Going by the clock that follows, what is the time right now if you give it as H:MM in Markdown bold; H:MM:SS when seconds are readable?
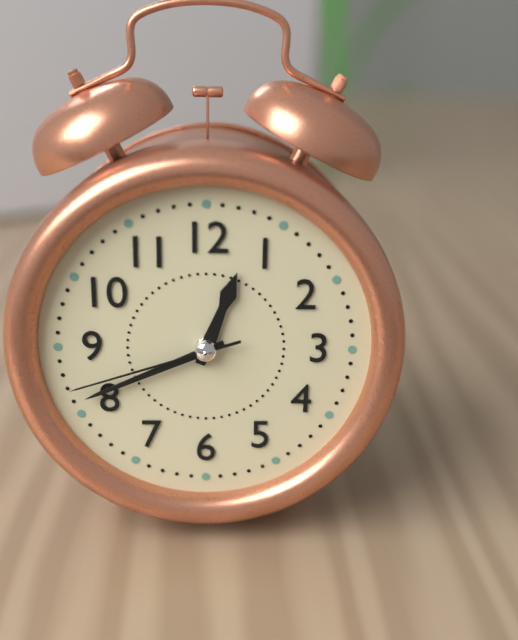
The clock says **12:41:42**
